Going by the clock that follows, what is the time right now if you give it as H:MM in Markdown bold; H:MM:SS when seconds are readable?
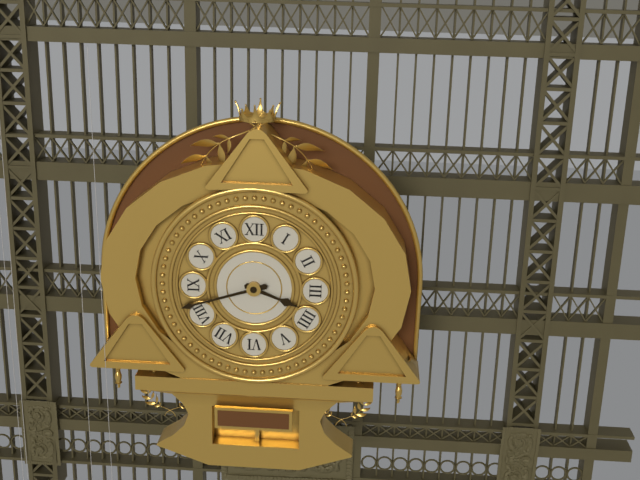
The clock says **3:42**
